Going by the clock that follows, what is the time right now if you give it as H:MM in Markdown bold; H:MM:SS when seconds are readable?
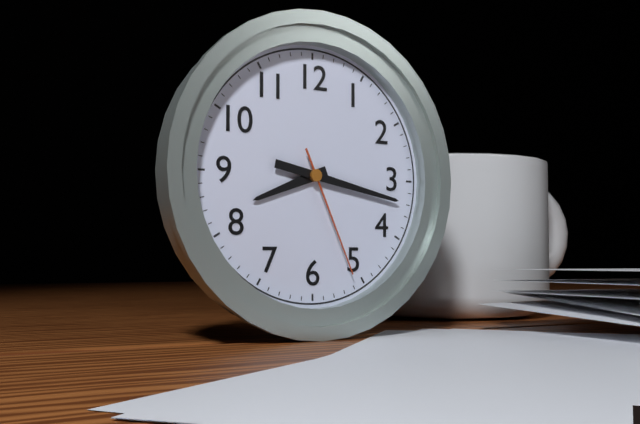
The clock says **8:17:26**
